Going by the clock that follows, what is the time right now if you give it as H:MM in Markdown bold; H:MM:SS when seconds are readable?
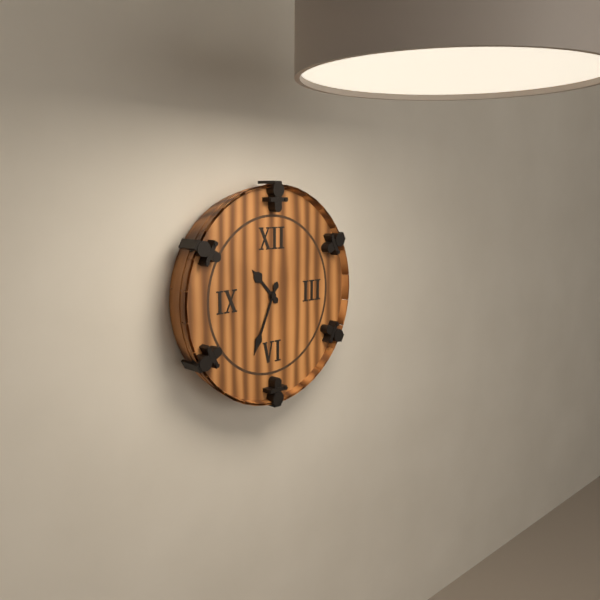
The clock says **10:34**
